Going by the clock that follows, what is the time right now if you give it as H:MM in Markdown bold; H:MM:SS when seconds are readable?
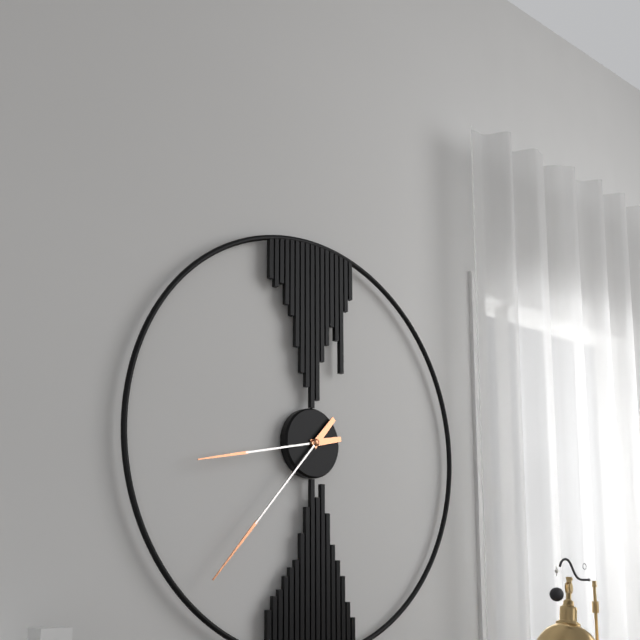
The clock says **8:37**
